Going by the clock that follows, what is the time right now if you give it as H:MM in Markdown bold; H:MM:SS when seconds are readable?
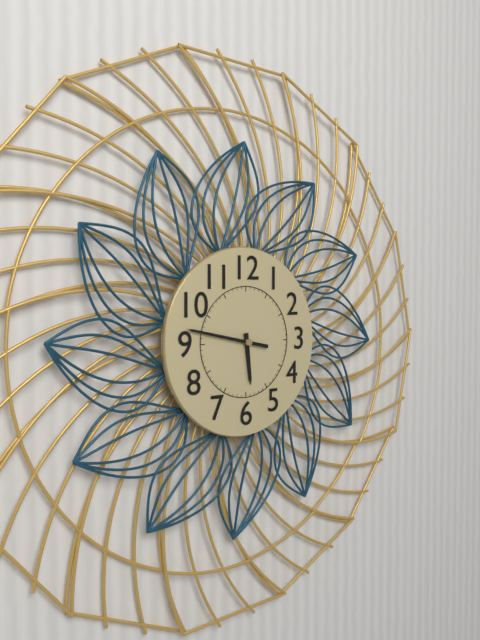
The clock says **5:47**
